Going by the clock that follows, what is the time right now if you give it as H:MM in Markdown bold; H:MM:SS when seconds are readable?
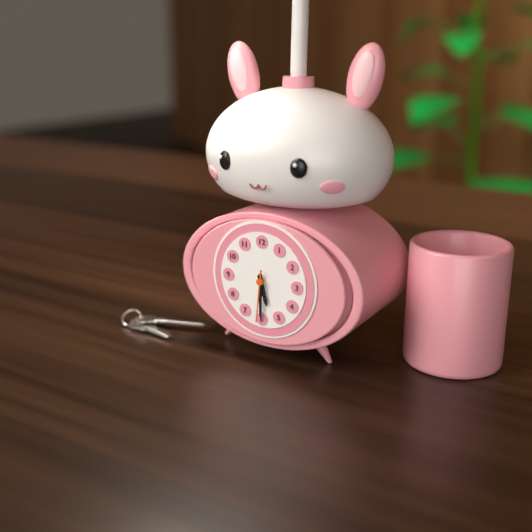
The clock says **5:30:31**
